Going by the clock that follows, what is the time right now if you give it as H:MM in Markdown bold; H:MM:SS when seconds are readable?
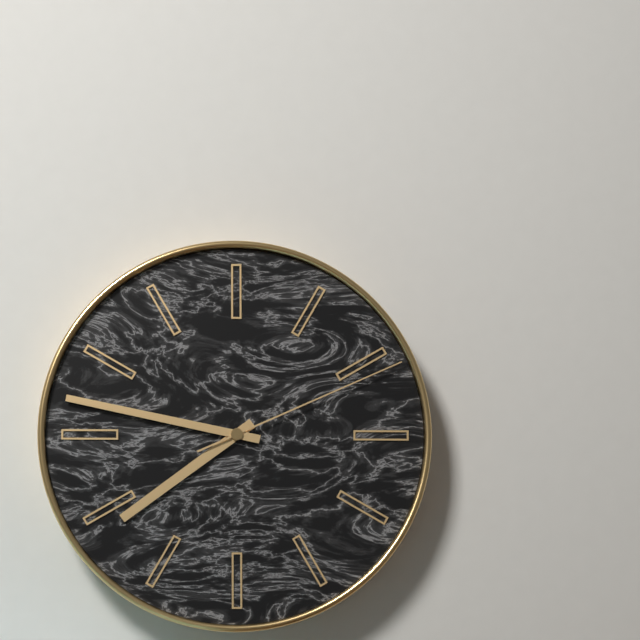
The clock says **7:47:11**
